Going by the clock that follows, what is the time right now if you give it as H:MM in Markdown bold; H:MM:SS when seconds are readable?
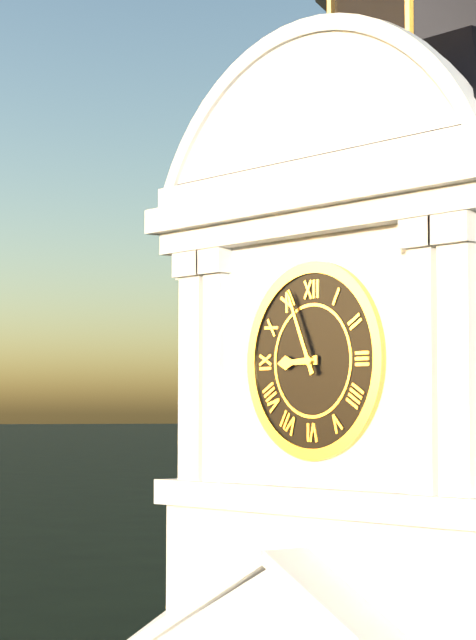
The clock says **8:56**
